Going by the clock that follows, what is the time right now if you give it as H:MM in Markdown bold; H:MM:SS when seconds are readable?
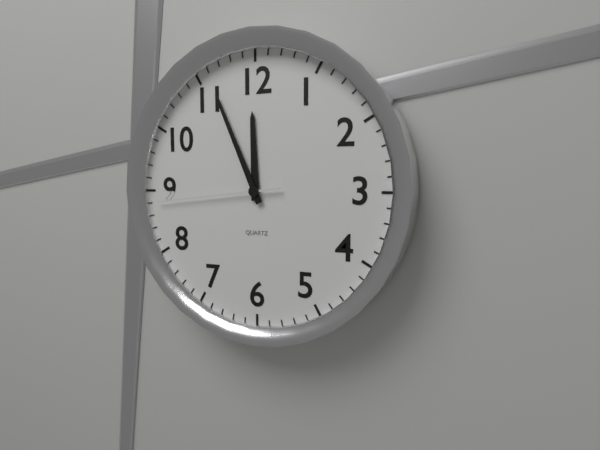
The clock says **11:56:44**
